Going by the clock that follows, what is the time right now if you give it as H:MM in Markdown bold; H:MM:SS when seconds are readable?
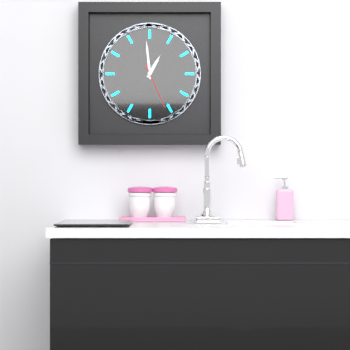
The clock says **12:59**
